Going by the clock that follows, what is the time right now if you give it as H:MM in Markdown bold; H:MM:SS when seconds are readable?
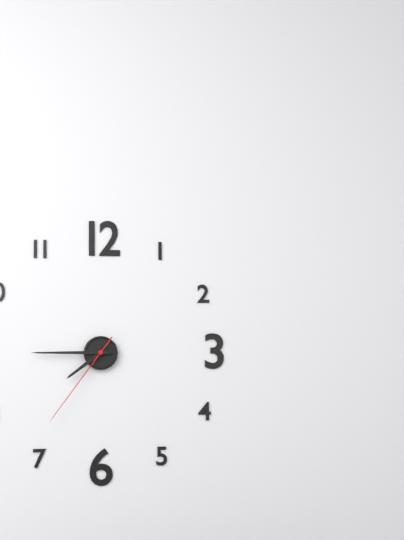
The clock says **7:45:36**
